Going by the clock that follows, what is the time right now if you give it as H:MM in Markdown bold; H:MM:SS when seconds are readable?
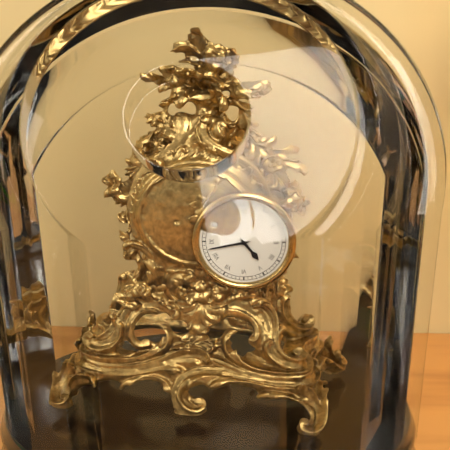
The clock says **4:43**
